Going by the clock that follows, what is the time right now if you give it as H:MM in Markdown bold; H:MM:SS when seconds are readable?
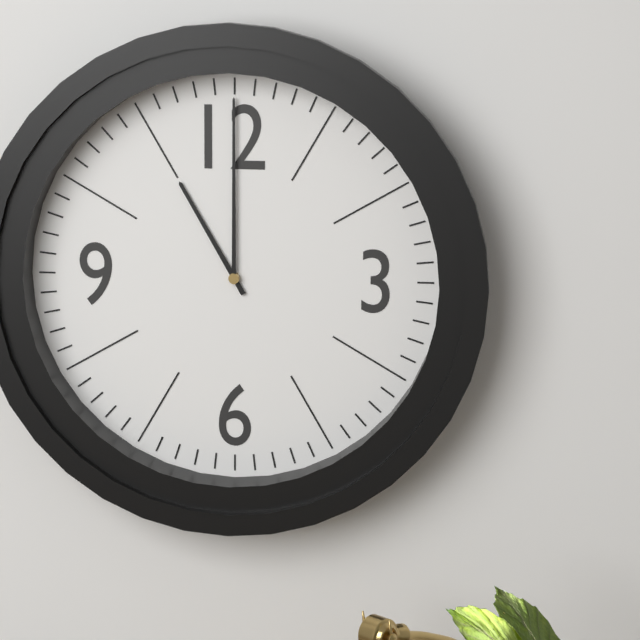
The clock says **11:00**
